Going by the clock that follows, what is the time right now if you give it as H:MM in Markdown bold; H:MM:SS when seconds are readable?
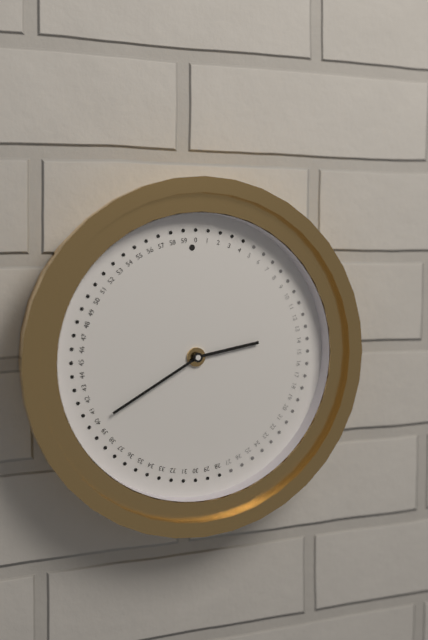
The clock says **2:40**
